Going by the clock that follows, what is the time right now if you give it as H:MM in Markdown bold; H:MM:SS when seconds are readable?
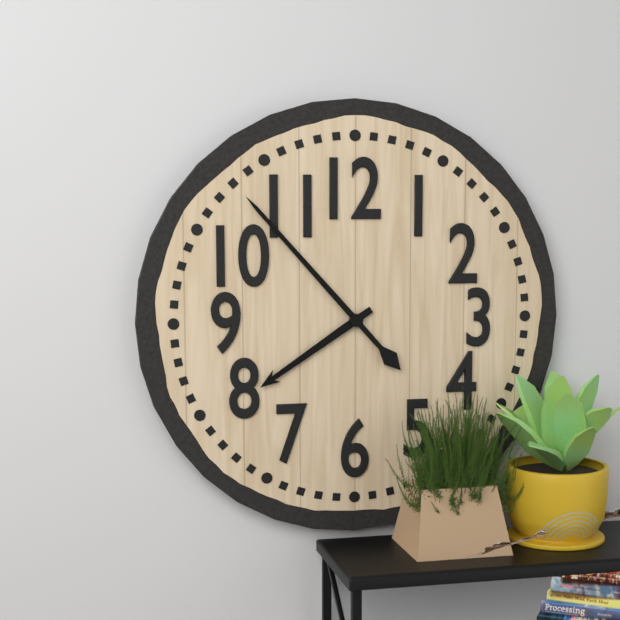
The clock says **7:53**
